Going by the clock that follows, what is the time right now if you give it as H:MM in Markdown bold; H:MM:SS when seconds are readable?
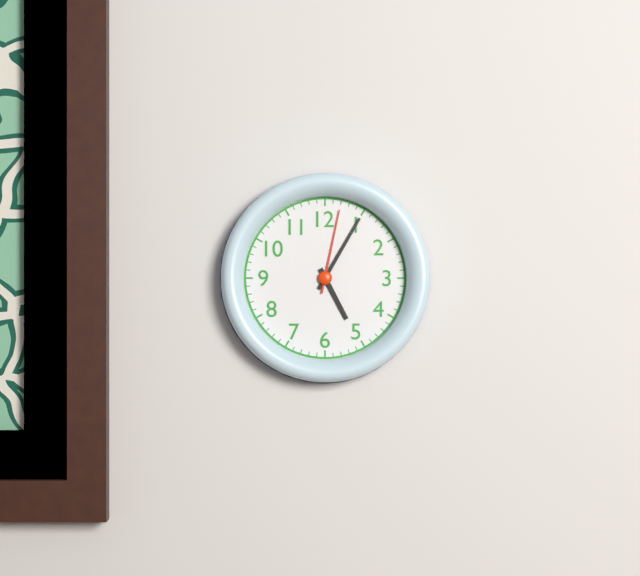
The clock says **5:05:02**
